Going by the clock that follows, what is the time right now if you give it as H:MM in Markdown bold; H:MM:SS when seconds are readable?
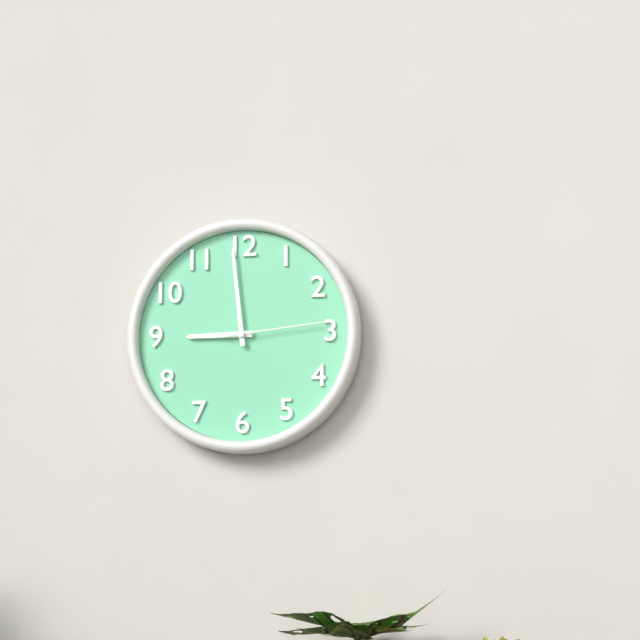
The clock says **8:59:14**
